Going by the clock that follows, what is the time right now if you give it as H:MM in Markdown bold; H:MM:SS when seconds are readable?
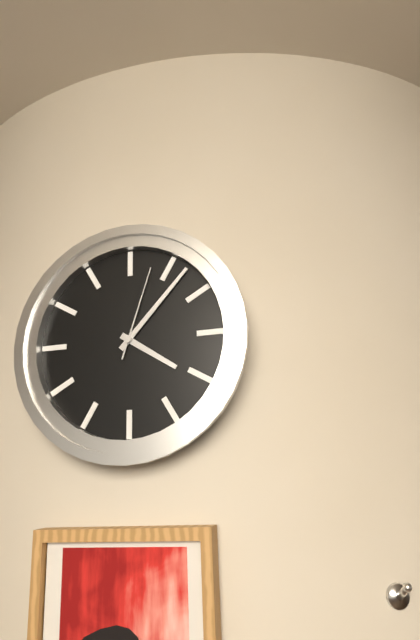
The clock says **4:07:03**
